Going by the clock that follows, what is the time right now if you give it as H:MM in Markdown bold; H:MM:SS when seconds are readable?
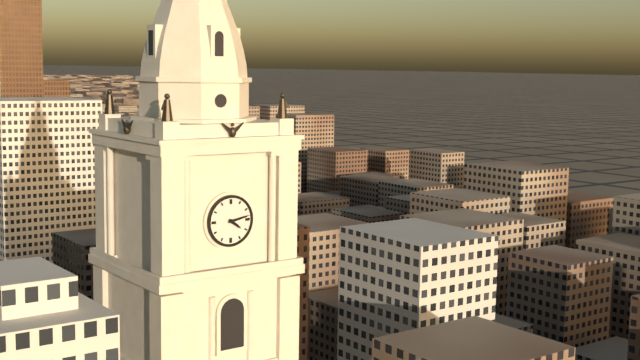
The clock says **4:13**
